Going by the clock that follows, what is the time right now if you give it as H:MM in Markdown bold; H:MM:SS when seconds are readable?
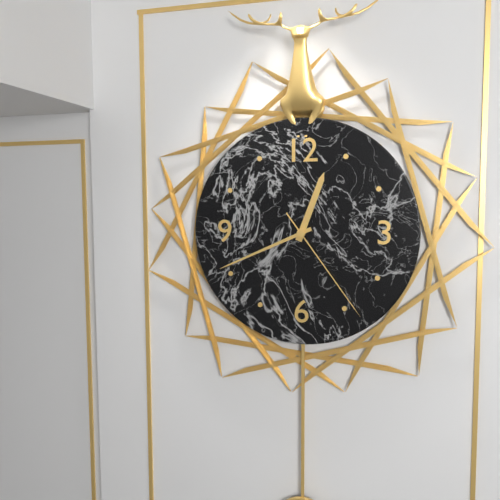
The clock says **12:41:24**
